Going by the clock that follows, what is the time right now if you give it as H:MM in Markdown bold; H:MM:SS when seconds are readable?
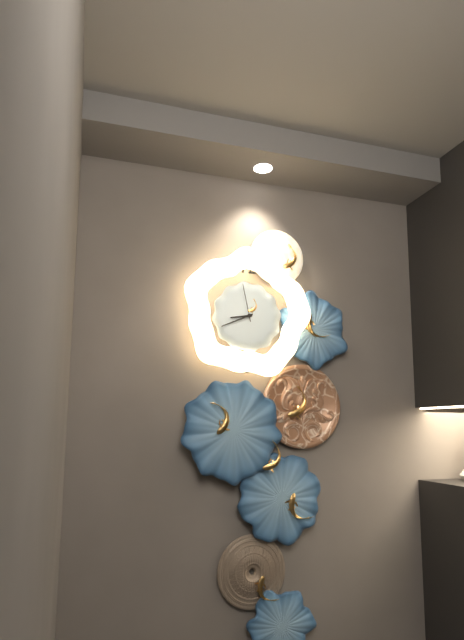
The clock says **8:41**
